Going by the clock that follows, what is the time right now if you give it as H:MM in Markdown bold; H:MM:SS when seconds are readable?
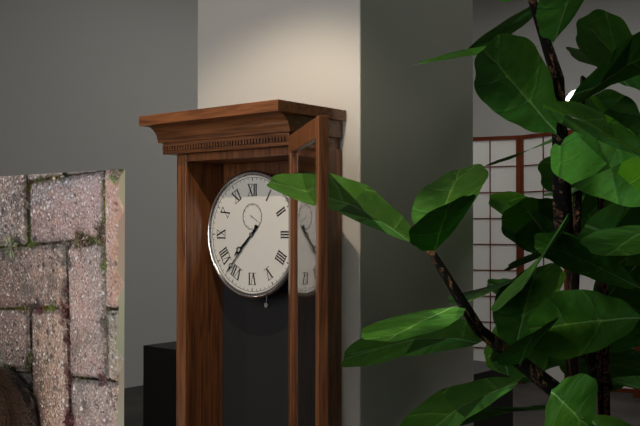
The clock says **7:37**
